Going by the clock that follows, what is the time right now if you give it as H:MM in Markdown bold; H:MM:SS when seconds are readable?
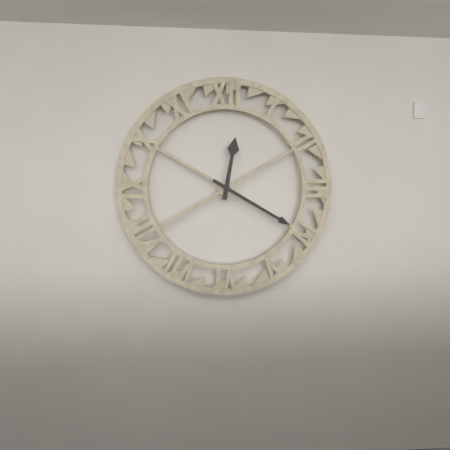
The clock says **12:20**
